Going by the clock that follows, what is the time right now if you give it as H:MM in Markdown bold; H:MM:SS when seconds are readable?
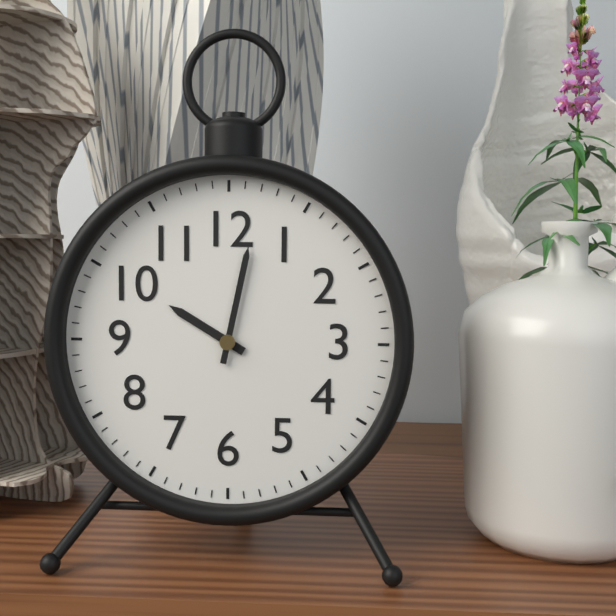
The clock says **10:02**
